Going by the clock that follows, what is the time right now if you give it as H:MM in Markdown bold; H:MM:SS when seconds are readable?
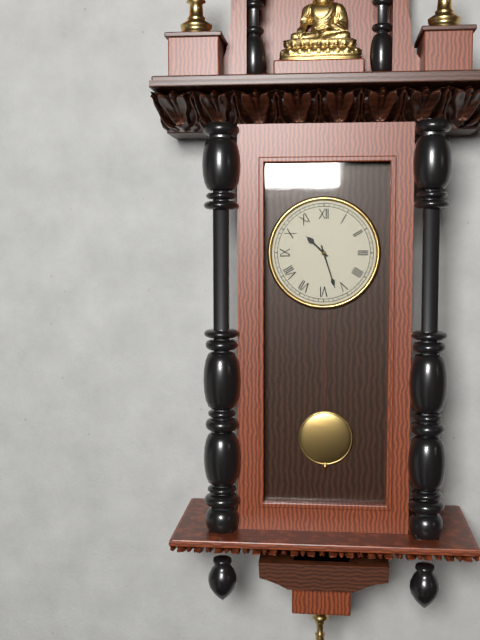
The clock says **10:27**
